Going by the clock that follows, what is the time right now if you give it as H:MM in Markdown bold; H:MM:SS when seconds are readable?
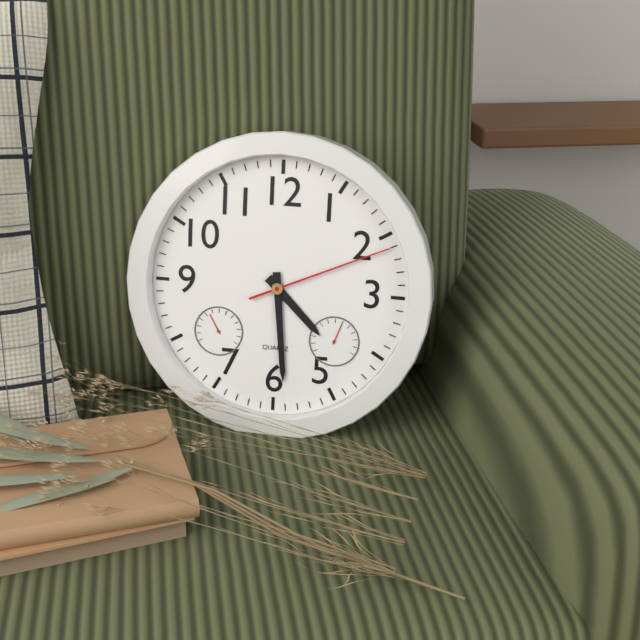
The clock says **4:29:11**
